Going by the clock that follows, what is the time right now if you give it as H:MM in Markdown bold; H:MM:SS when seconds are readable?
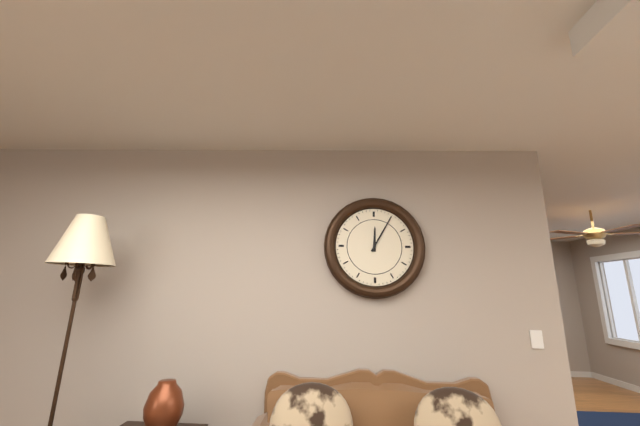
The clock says **12:05**
